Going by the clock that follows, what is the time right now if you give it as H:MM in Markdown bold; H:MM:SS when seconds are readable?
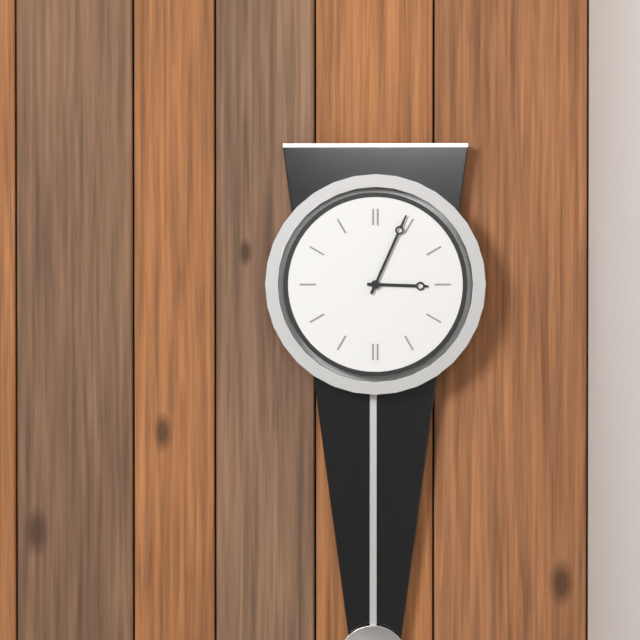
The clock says **3:04**
